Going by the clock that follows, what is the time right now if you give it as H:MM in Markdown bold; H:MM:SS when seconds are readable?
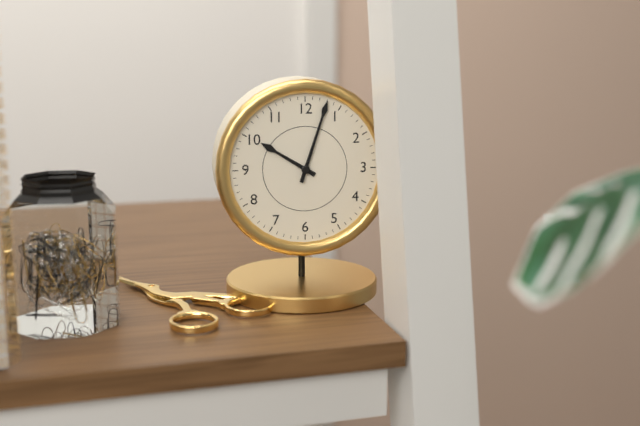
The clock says **10:03**
